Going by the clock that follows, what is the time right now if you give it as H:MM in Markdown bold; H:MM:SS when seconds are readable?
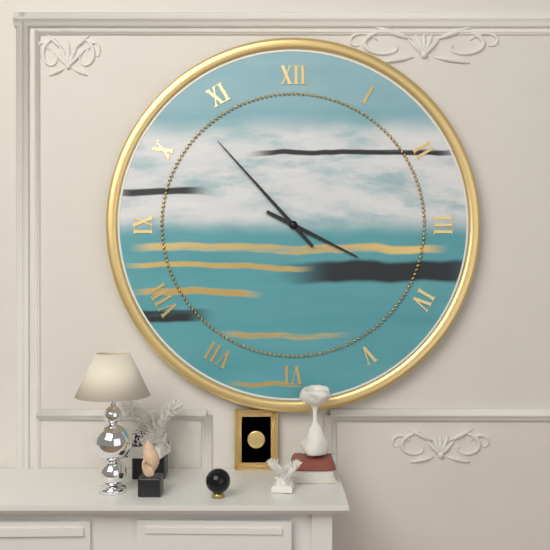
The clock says **3:53**
